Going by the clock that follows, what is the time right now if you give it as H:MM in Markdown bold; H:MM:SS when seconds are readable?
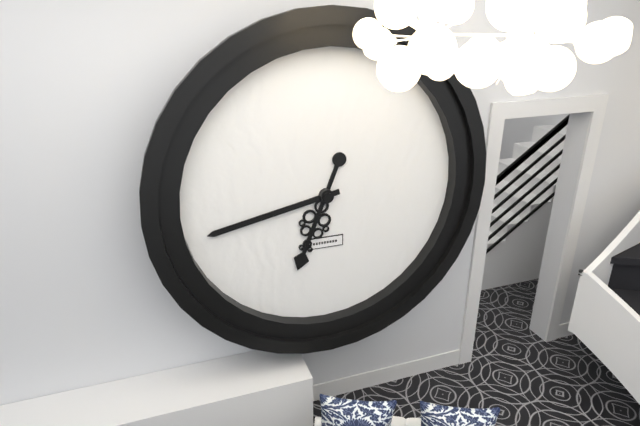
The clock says **6:43**
